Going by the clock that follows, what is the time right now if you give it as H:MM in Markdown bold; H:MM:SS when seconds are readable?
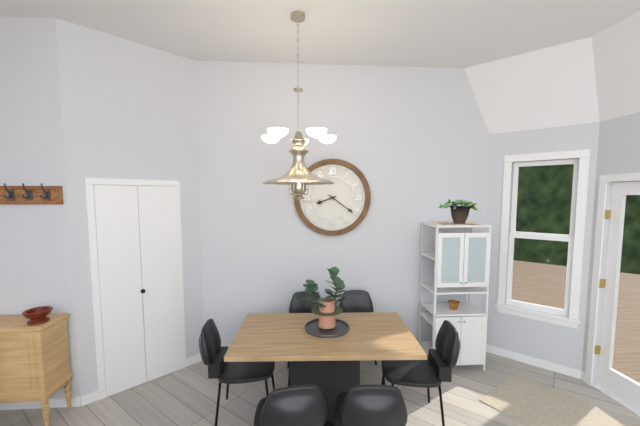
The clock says **8:21**
